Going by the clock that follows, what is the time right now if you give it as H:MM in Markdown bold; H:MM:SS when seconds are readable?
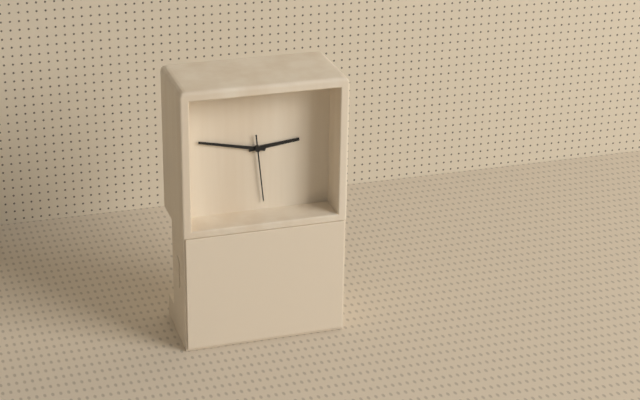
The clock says **2:47:29**
